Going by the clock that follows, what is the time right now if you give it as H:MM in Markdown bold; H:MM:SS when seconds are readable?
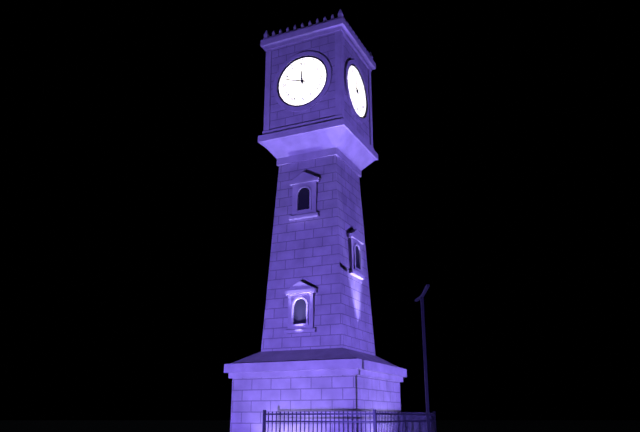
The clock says **11:48**
